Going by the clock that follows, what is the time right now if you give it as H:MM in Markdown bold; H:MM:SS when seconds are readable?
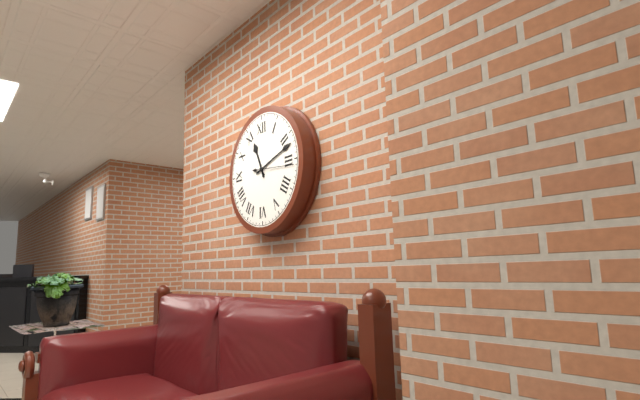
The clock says **11:12**
